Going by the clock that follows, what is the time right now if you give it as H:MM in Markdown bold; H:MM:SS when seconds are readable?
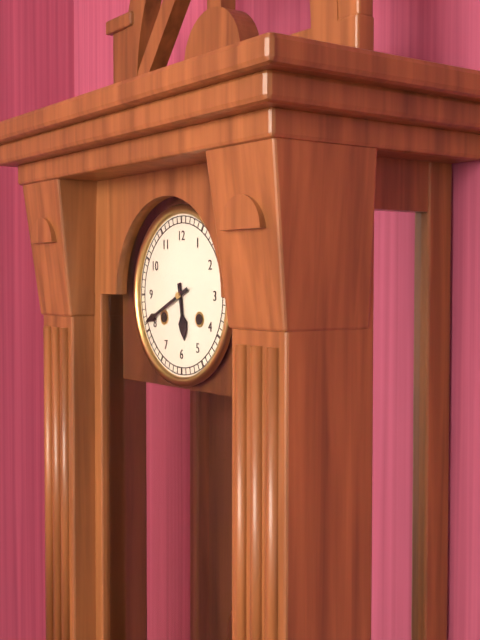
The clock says **5:41**
